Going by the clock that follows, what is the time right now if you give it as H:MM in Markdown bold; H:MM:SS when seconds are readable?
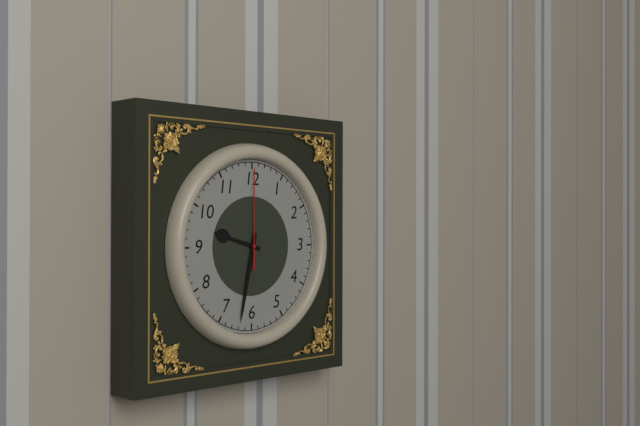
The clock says **9:32:00**
